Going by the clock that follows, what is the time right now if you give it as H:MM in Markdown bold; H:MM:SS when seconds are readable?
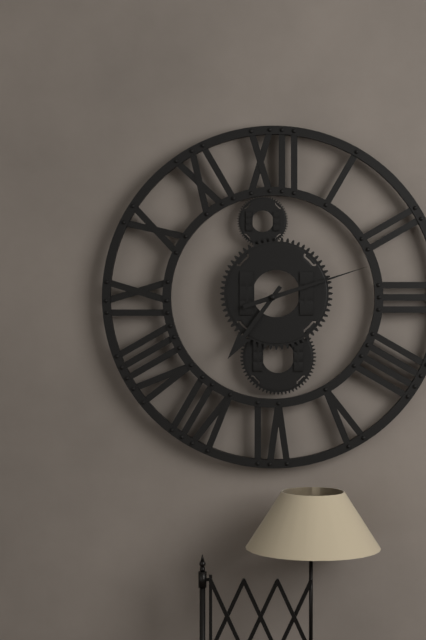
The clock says **7:12**
